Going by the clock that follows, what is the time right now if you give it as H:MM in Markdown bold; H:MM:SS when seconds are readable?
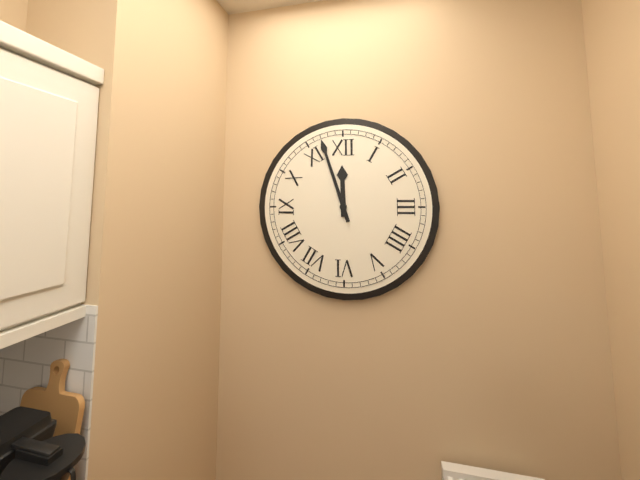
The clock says **11:57**
